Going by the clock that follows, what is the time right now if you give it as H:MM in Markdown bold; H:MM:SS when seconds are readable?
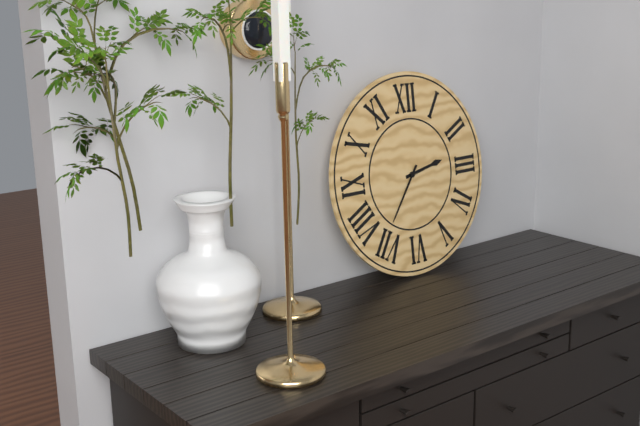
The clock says **2:36**
